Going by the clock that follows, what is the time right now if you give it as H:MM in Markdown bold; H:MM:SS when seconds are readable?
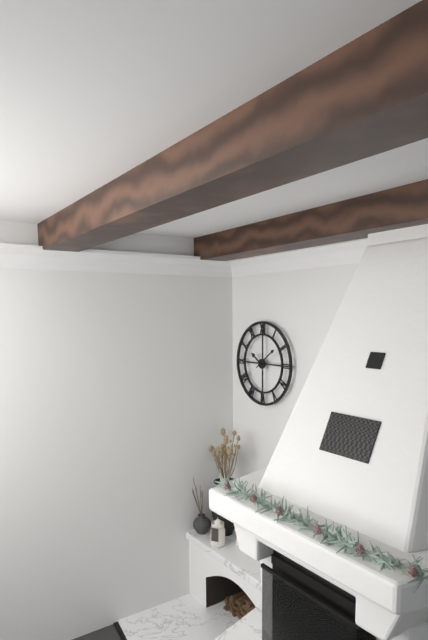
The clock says **10:09**
